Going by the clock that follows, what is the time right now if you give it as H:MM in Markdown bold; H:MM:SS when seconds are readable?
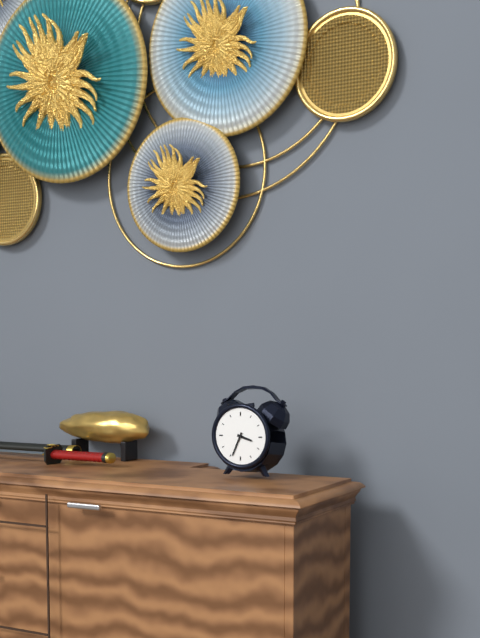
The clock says **3:34**
